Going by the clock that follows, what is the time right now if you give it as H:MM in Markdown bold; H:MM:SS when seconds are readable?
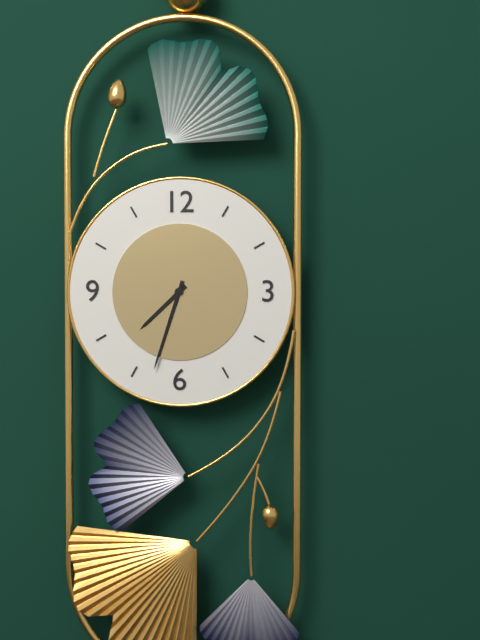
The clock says **7:33**
